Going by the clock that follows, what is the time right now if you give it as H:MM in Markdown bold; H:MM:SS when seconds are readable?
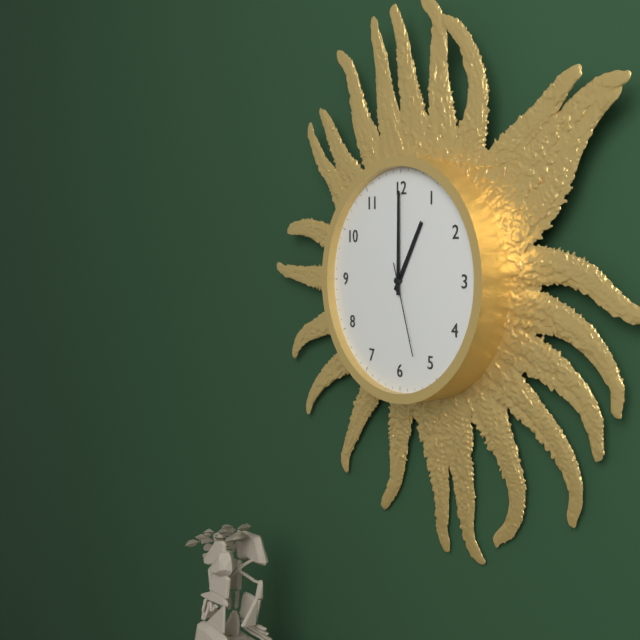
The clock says **1:00:27**
